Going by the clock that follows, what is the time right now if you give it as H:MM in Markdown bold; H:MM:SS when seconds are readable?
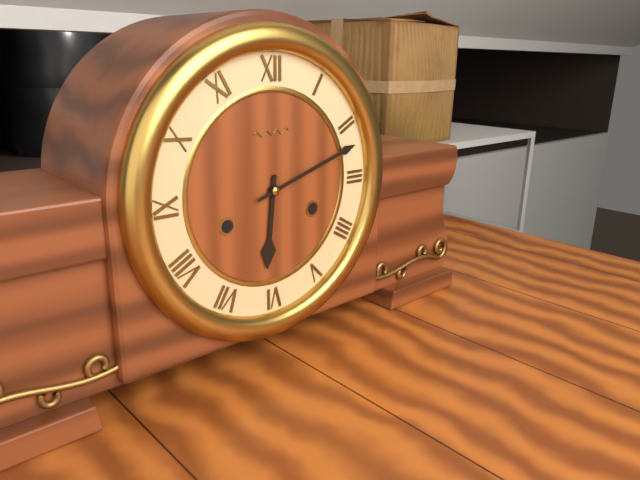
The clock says **6:12**
